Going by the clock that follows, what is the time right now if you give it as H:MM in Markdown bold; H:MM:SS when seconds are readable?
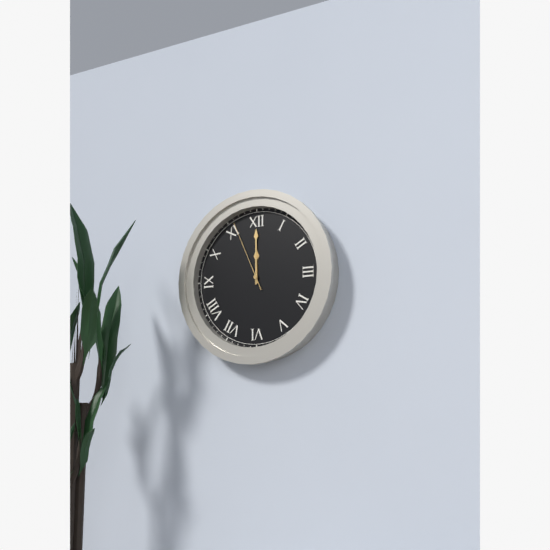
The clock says **12:00:56**
